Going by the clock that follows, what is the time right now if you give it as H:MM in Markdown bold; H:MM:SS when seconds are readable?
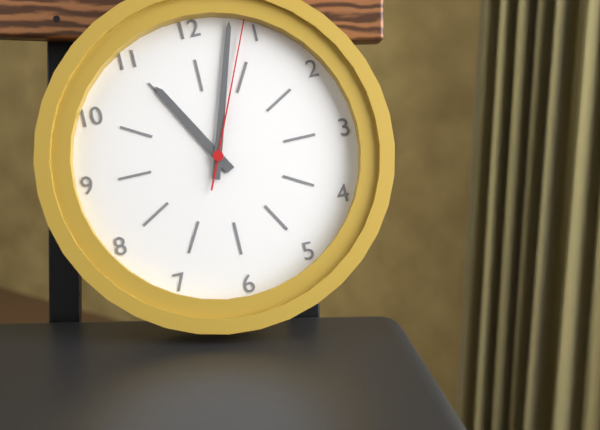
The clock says **11:03:04**
